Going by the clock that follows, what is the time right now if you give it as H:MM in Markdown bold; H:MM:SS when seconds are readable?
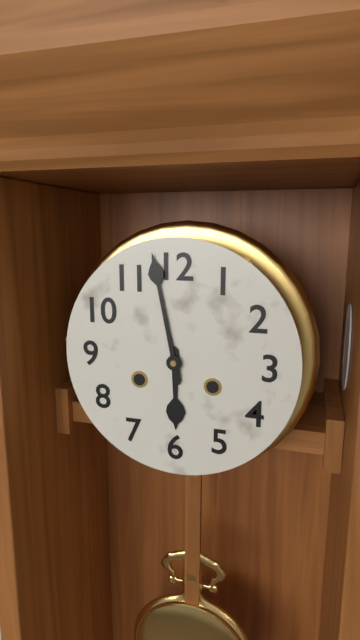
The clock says **5:58**
